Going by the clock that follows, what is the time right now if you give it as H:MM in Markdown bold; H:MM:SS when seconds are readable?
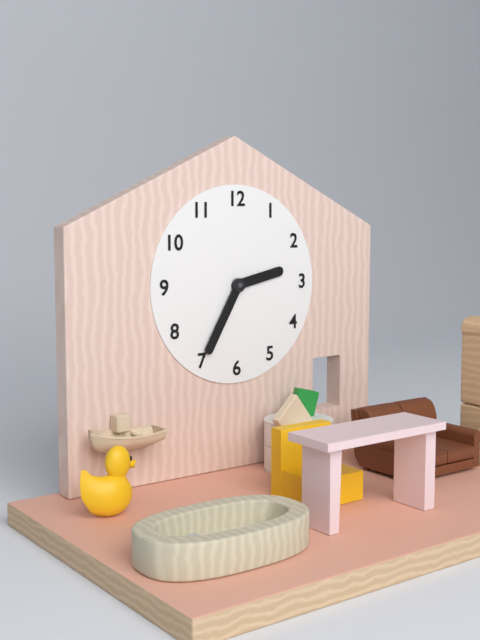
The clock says **2:35**
